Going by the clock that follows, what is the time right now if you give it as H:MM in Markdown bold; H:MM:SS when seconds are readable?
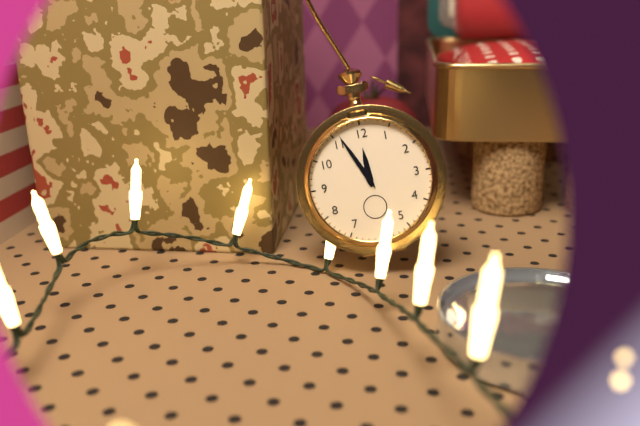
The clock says **11:56**
